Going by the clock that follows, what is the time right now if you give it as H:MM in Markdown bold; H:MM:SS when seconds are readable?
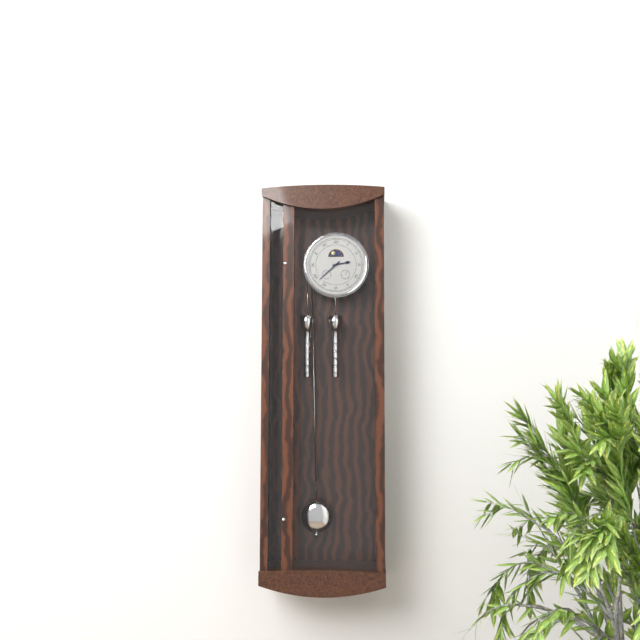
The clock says **2:38**
